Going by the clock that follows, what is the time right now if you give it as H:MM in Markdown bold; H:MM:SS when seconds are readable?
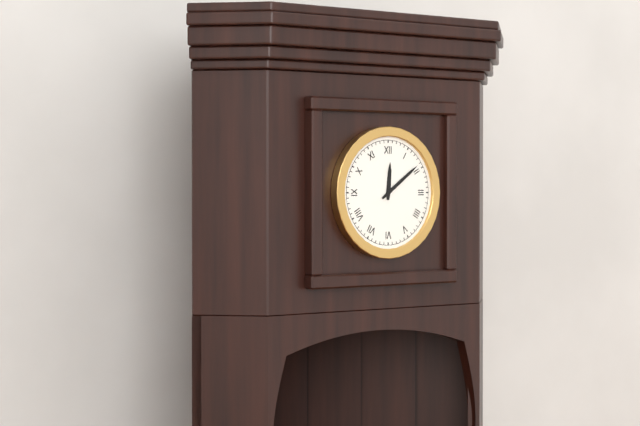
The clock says **12:09**
